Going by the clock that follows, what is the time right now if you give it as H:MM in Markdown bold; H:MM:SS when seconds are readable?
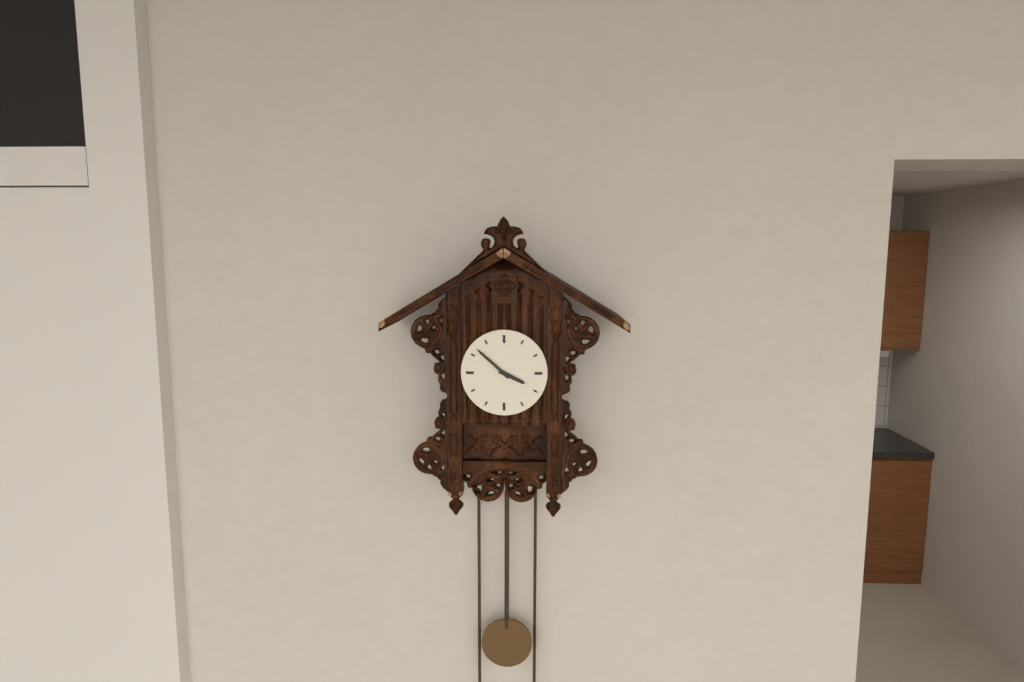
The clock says **3:52**
